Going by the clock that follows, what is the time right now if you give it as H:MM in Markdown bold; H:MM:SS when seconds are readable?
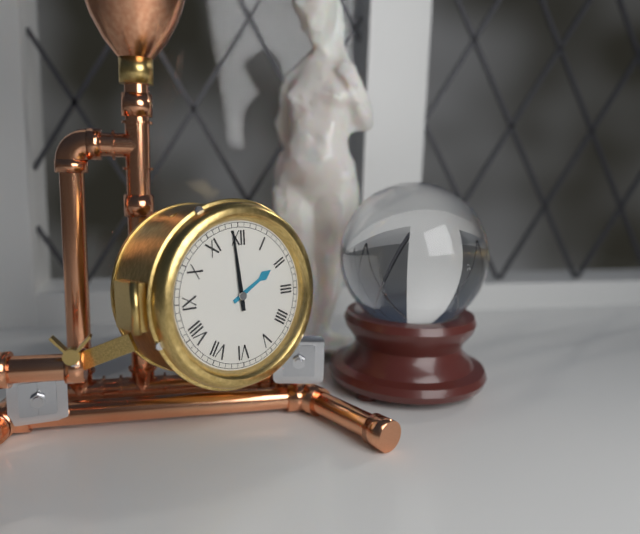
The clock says **1:59**
